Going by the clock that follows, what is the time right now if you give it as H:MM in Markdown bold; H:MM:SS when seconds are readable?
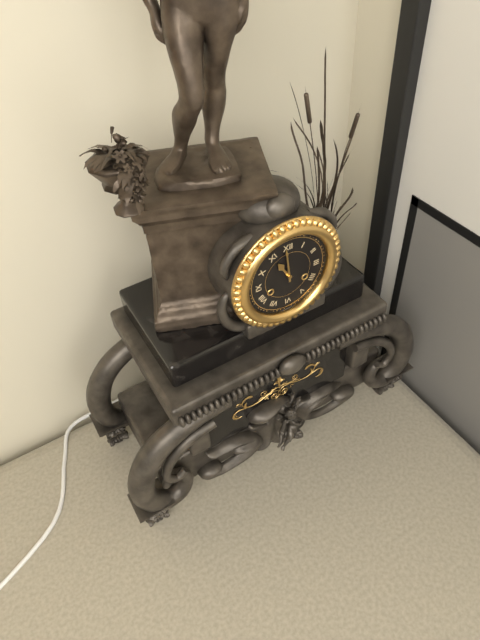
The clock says **10:59**
